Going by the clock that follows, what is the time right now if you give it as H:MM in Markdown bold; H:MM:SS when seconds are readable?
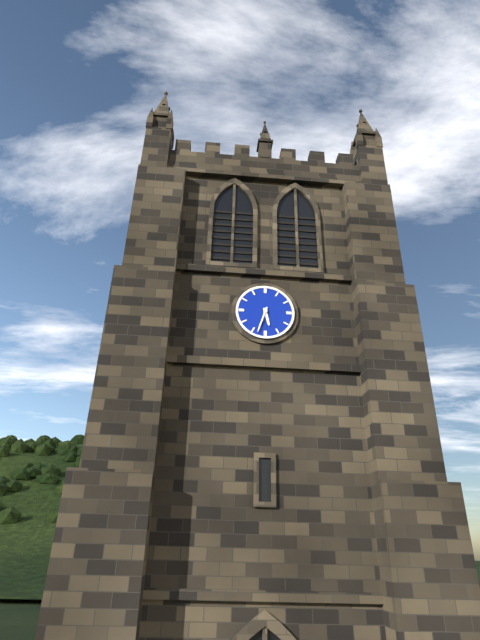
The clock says **5:33**
